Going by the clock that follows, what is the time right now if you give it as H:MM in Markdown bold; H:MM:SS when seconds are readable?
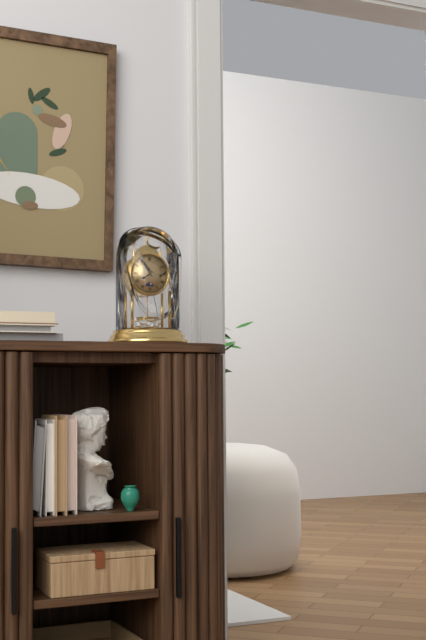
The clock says **7:54**
